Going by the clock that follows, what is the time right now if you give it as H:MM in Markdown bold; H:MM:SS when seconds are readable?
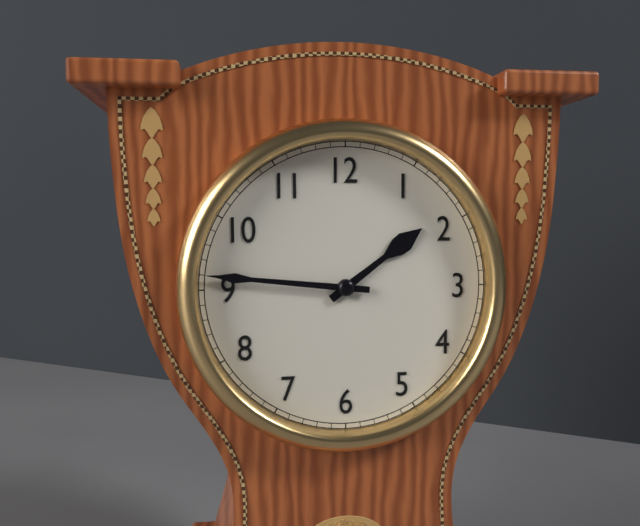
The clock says **1:46**
